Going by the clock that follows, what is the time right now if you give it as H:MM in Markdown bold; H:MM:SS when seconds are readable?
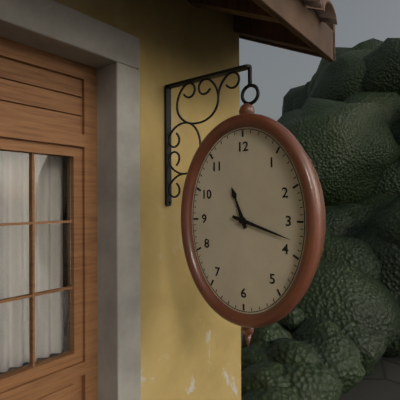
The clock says **11:18**
